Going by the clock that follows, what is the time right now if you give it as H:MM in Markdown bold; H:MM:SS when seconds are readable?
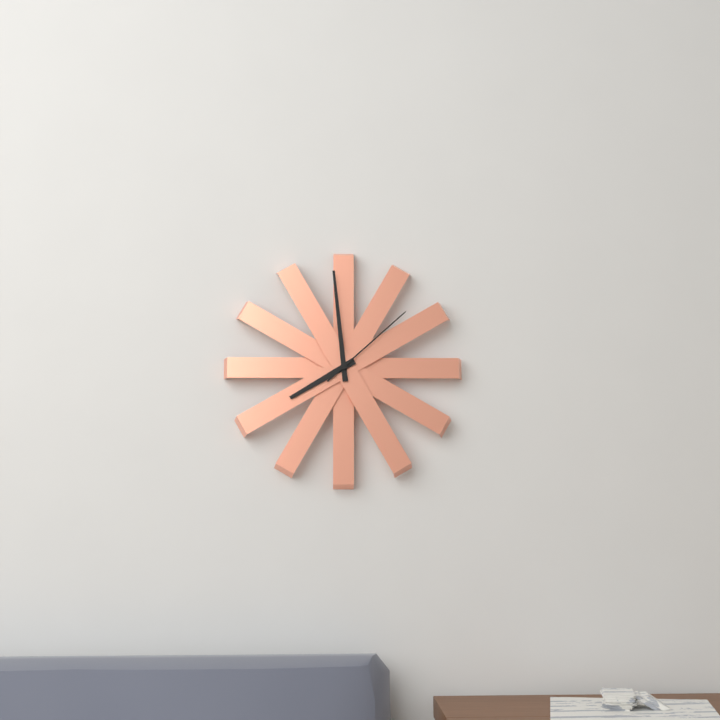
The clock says **7:59:08**
